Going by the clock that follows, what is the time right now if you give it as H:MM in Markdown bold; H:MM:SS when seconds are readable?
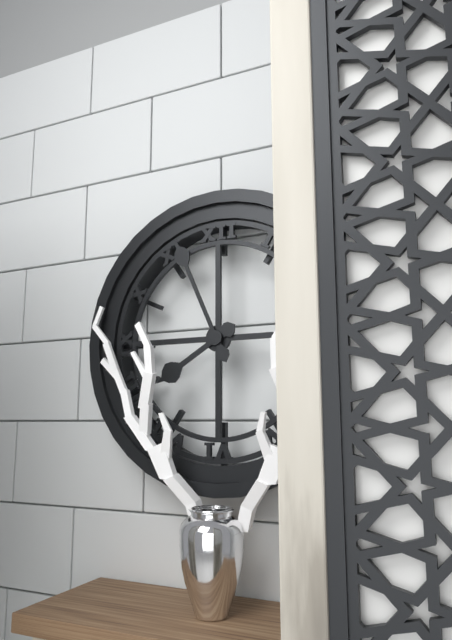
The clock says **7:56**
